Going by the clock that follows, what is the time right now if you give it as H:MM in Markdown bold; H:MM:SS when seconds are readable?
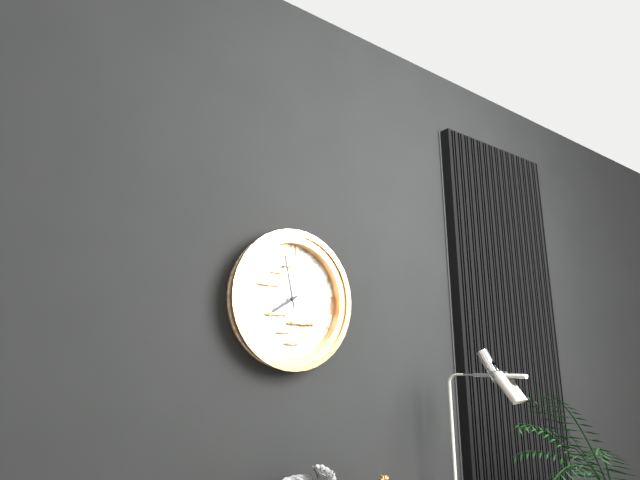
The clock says **7:58**
